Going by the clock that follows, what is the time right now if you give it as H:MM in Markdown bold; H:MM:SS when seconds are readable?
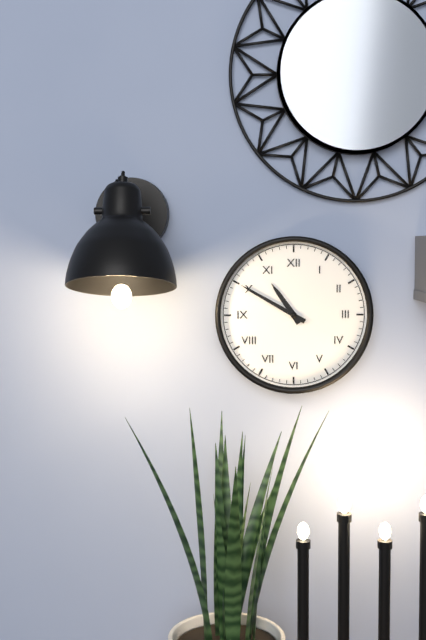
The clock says **10:50**
